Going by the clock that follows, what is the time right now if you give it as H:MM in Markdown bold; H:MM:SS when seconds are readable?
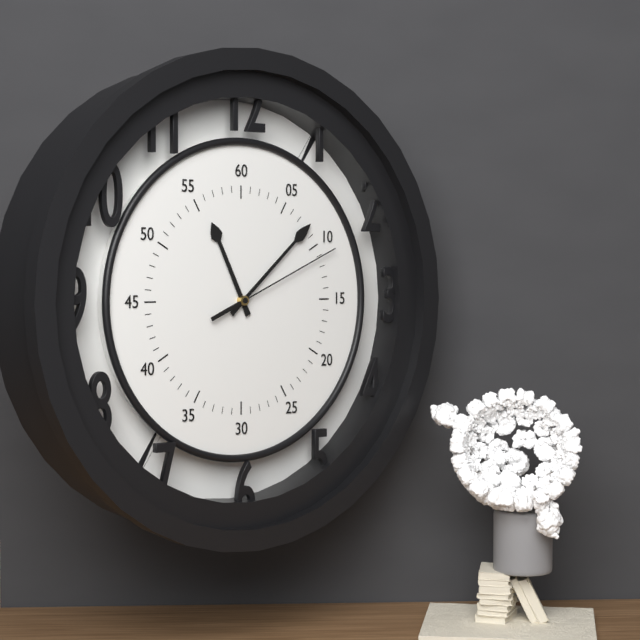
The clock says **11:08:11**
